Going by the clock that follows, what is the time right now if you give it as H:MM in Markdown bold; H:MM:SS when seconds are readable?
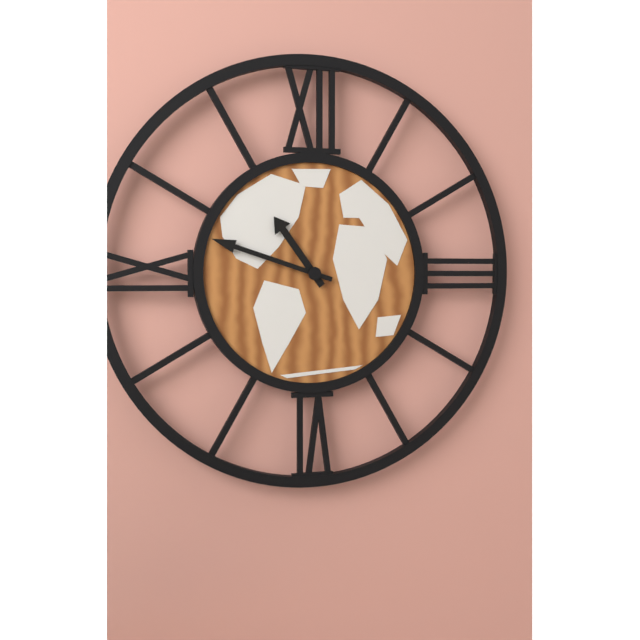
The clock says **10:48**
